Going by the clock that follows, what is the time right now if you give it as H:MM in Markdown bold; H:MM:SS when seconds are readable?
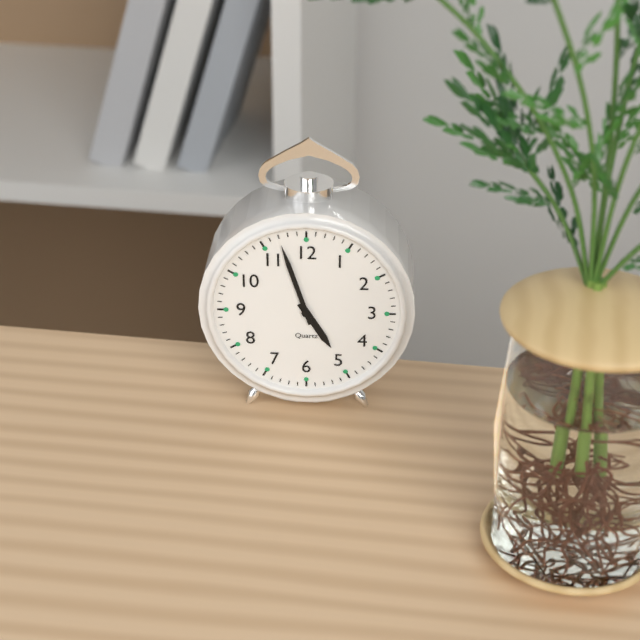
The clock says **4:57**
